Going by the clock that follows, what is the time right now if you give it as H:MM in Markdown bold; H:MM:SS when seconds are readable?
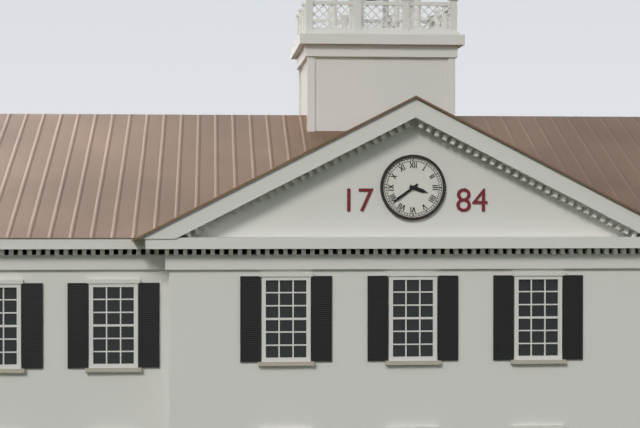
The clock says **3:39**
